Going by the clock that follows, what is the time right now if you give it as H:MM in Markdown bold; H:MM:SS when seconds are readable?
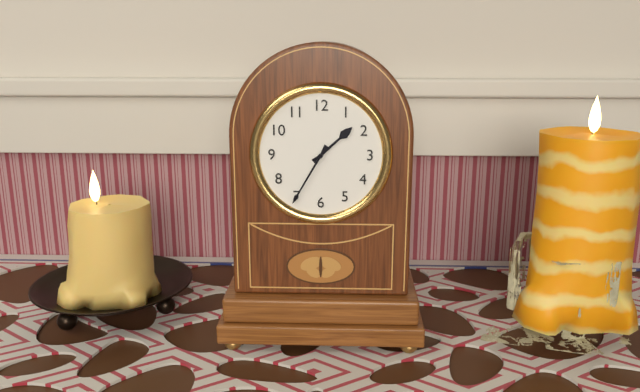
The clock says **1:35**
